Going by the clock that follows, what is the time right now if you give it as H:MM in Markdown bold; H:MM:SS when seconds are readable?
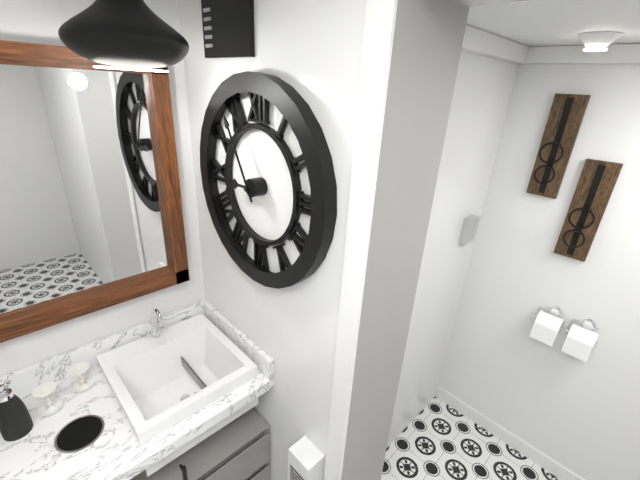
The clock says **8:55**
